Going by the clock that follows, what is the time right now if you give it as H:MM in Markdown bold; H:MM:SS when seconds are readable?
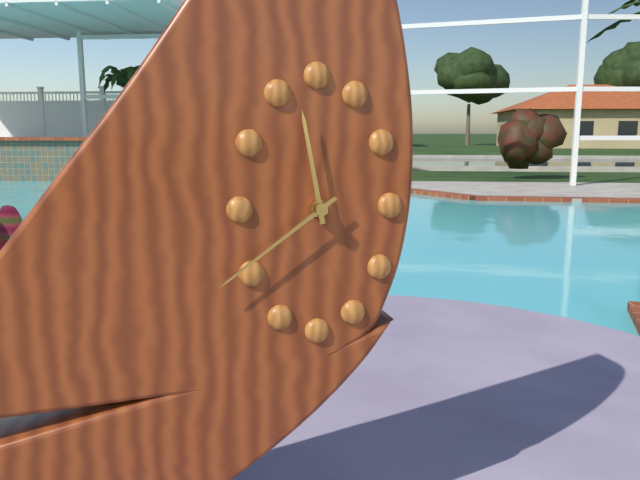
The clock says **11:39**
